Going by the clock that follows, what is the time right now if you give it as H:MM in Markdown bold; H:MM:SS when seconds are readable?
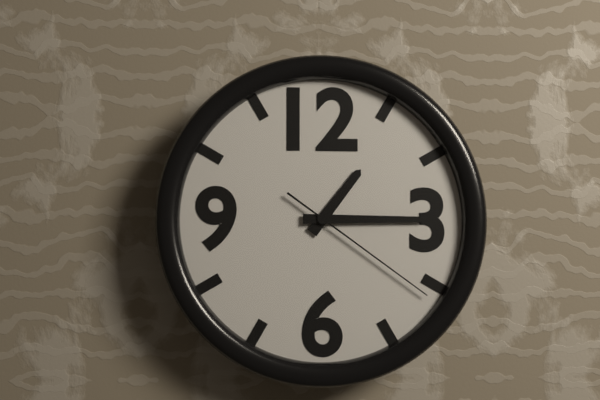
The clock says **1:15:21**
